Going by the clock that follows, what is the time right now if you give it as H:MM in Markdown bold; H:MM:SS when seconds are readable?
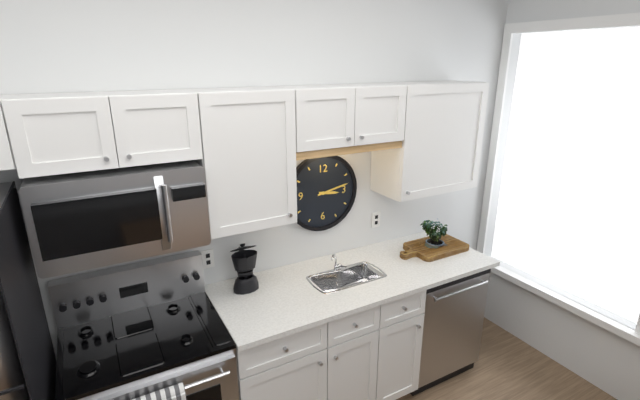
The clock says **3:13**
